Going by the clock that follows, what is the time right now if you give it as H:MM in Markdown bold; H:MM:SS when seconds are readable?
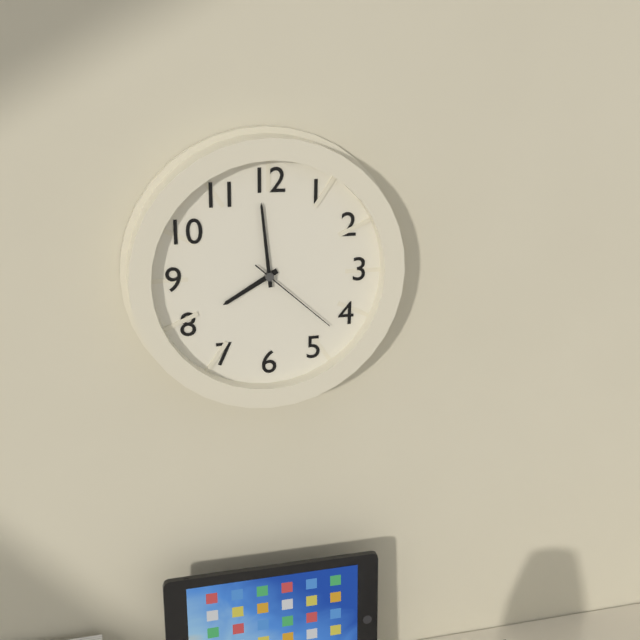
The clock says **7:59:22**
